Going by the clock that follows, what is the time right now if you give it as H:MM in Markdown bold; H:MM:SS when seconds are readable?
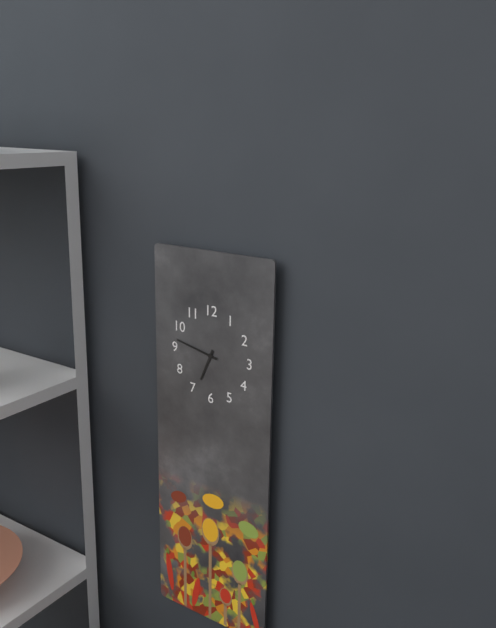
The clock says **6:47**
